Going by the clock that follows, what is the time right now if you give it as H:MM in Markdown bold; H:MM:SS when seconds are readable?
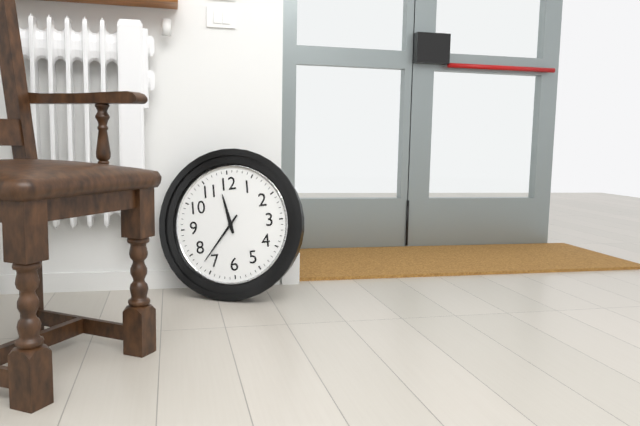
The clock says **11:37**
